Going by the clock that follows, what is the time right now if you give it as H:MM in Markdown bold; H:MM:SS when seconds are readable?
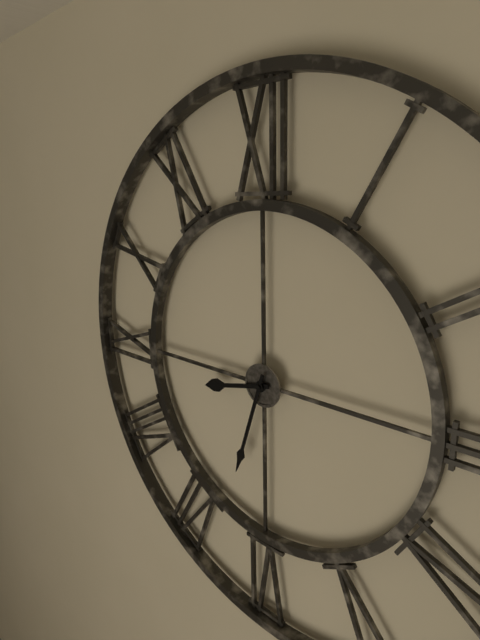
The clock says **8:33**
